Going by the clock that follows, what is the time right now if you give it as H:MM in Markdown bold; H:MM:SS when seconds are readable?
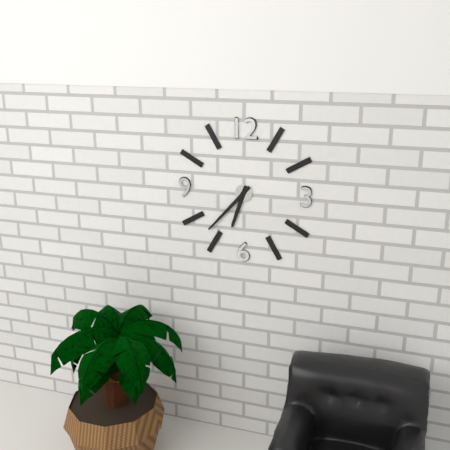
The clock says **6:37**
